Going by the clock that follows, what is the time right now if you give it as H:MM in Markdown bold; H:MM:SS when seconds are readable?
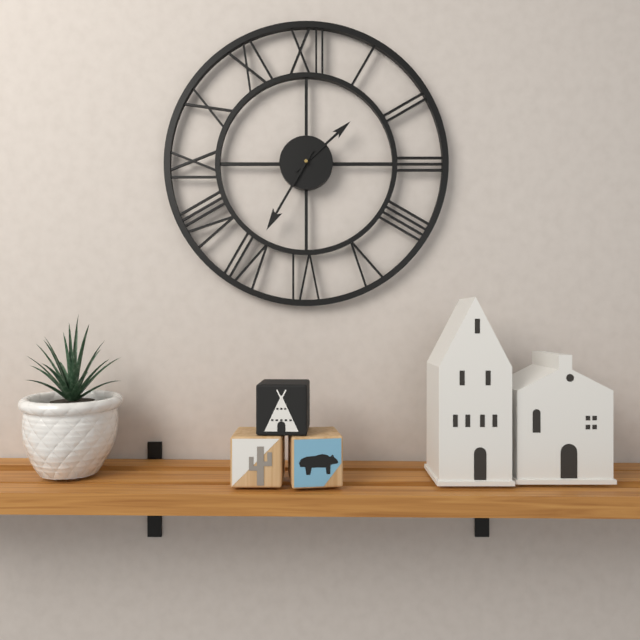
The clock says **1:35**
